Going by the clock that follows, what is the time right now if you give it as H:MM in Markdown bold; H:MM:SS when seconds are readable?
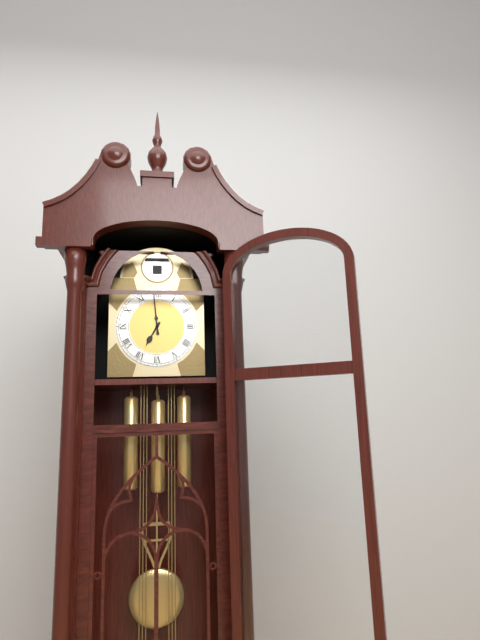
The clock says **6:59**
